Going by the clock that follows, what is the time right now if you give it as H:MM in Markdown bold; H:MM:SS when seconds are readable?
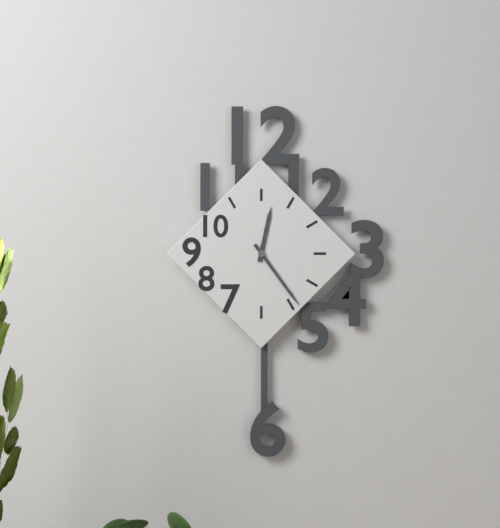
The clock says **12:24**
